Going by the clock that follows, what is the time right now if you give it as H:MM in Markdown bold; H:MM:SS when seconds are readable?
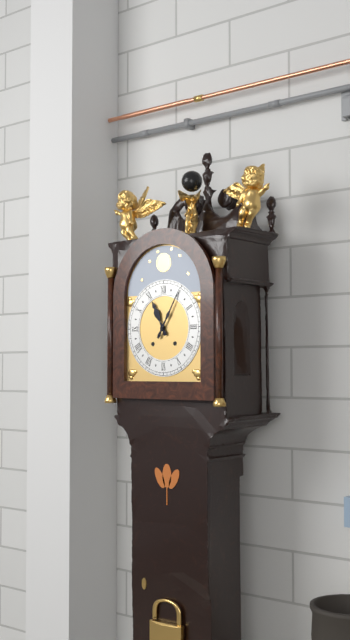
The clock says **11:05**
